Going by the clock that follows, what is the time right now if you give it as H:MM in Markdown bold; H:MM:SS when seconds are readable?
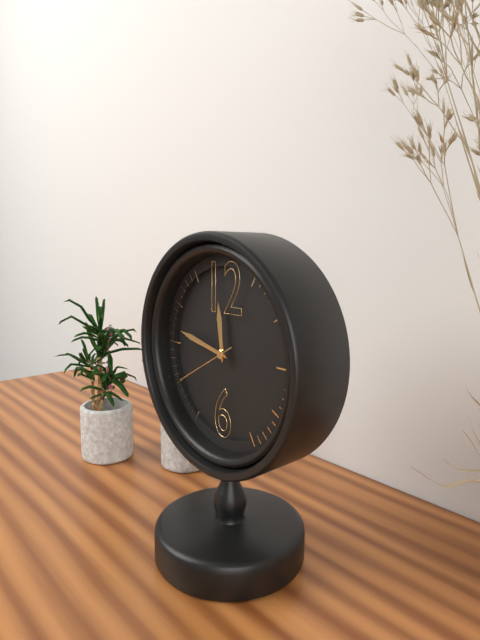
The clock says **11:47:40**
